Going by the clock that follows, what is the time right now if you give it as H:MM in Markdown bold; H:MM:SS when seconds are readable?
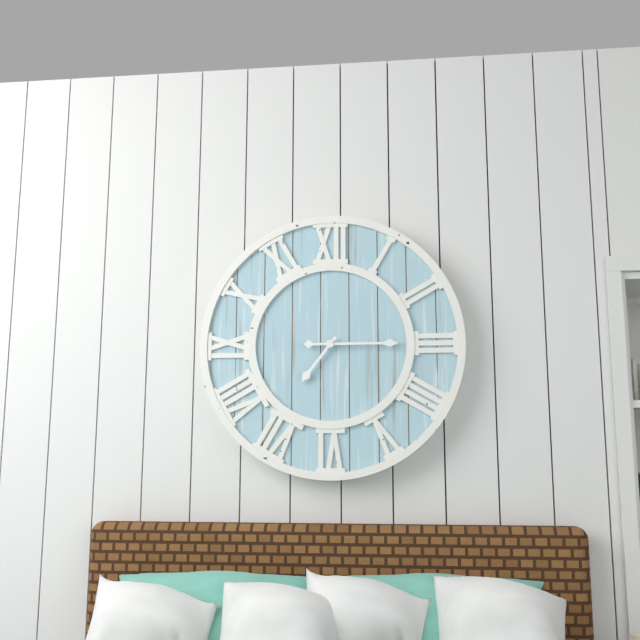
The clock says **7:15**
